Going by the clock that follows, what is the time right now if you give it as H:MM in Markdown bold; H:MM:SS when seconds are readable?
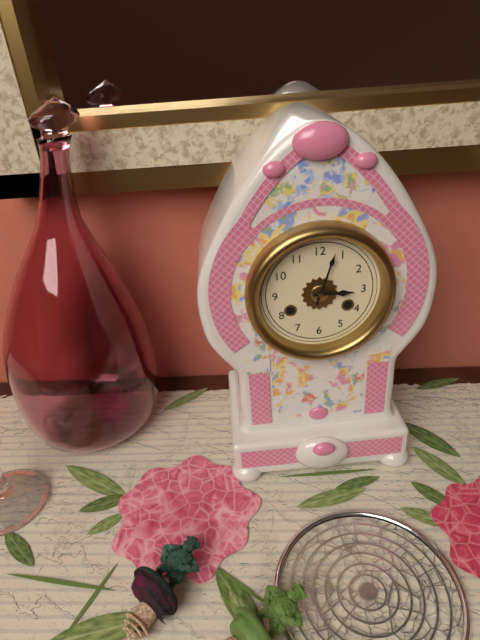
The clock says **3:03**
